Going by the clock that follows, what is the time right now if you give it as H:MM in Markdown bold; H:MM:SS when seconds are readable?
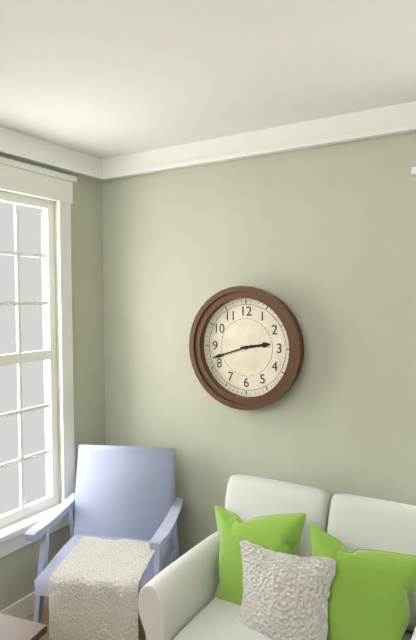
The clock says **2:42**
